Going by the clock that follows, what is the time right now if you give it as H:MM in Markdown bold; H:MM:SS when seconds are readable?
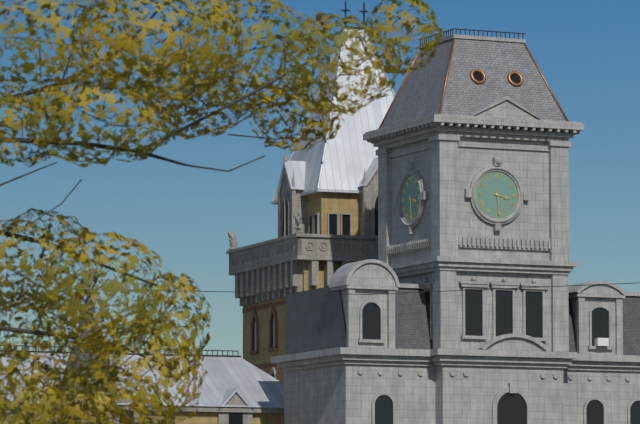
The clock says **3:29**
